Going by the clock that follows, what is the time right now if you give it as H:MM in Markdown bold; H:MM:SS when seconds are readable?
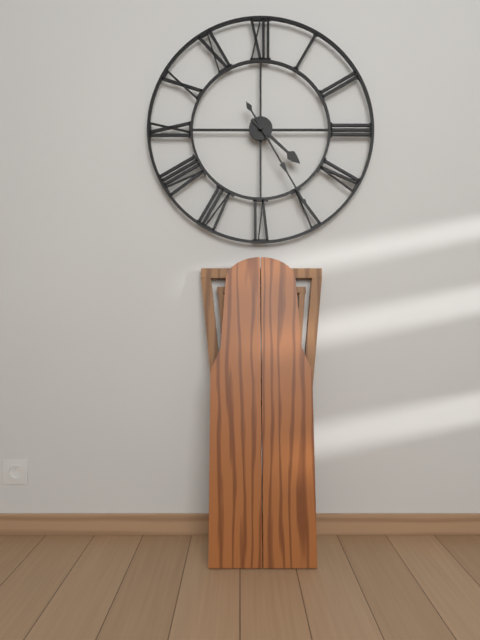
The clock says **4:25**
